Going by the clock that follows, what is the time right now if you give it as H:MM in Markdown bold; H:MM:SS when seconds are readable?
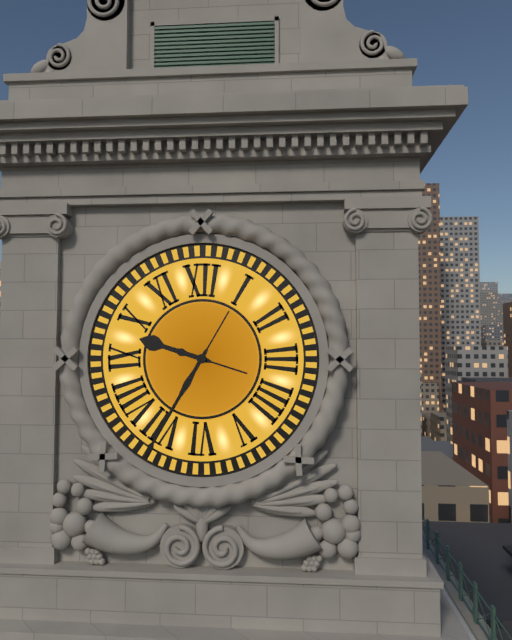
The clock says **9:35**
